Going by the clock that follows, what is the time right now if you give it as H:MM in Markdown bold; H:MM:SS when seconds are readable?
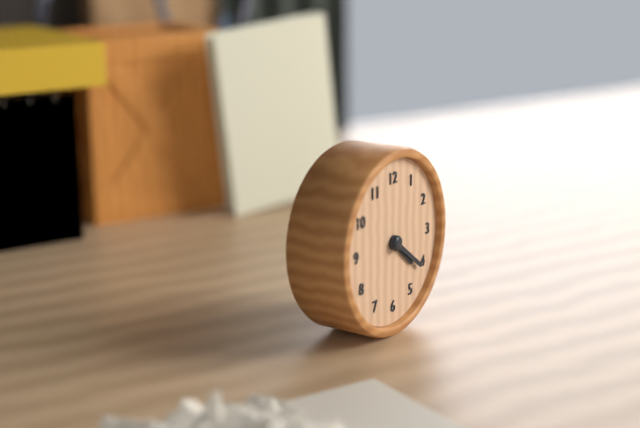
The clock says **4:21**
